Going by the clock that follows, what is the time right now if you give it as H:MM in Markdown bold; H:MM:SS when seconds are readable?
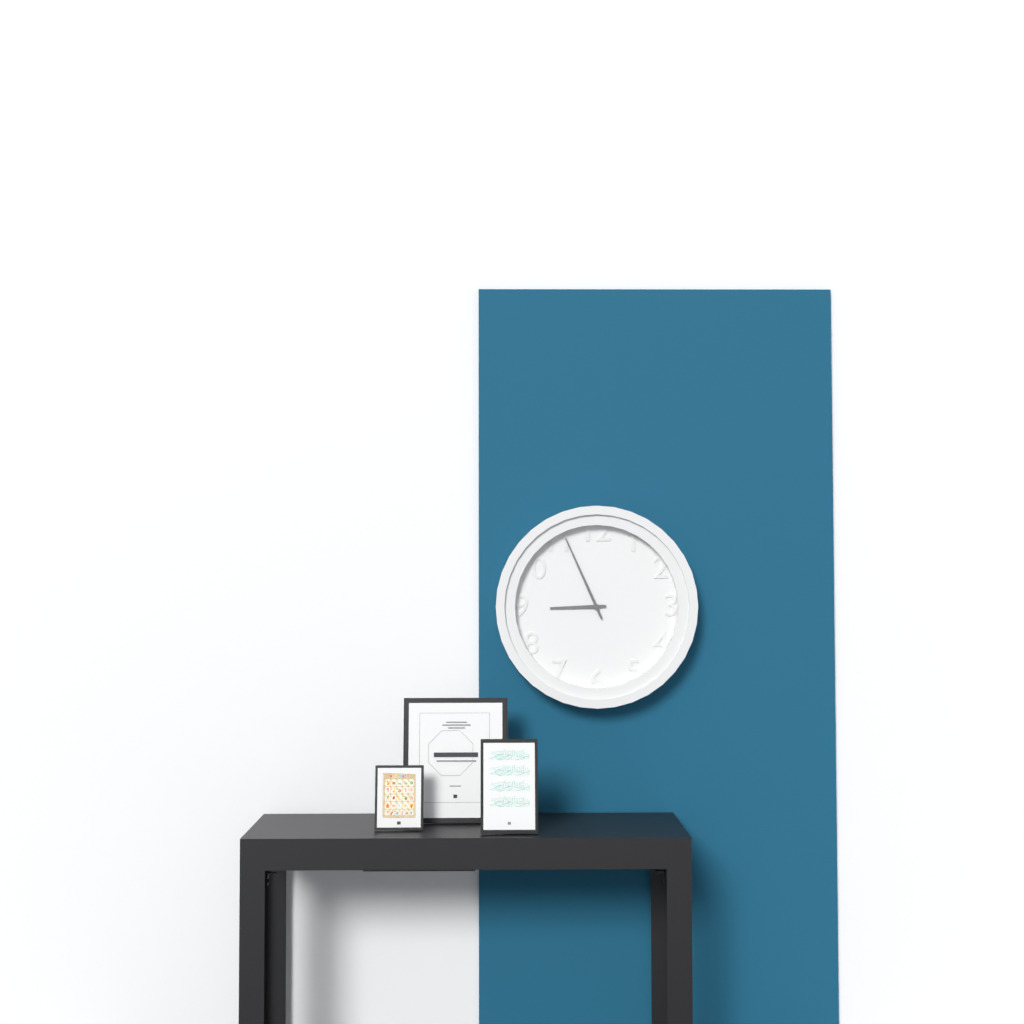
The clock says **8:56**
